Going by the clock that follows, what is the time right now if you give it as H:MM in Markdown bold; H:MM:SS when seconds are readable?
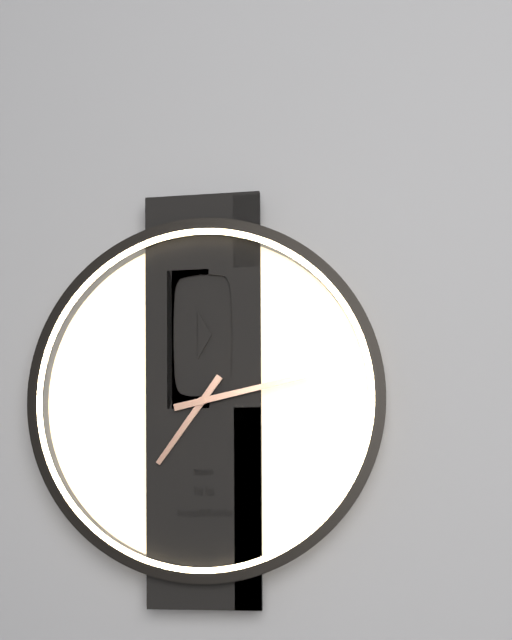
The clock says **7:13**
